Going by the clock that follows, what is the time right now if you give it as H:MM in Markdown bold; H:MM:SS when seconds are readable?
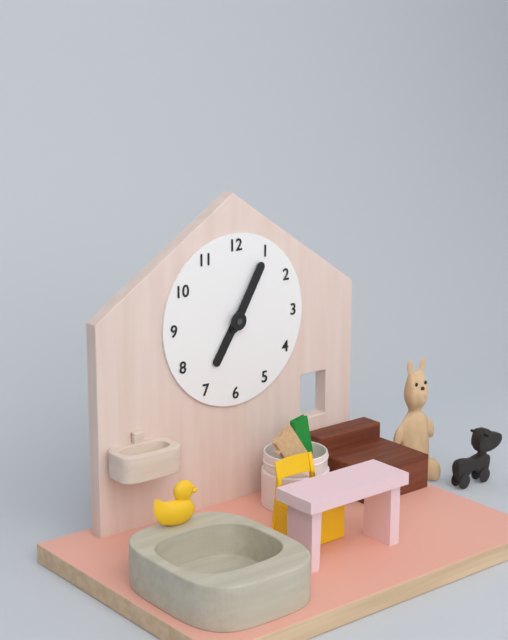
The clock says **7:05**
